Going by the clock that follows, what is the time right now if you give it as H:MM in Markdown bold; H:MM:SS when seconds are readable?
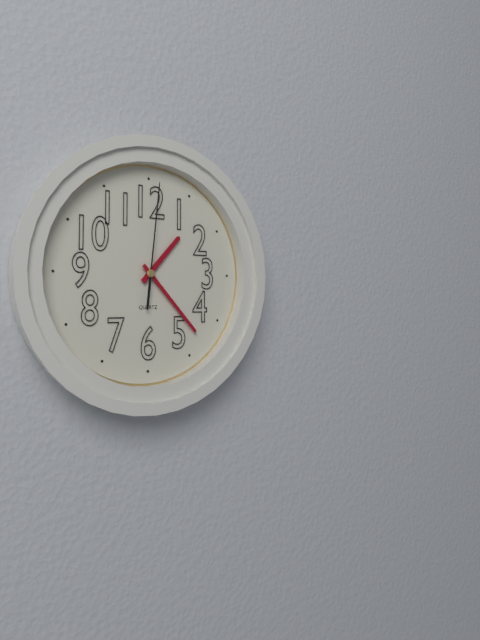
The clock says **1:23:01**
